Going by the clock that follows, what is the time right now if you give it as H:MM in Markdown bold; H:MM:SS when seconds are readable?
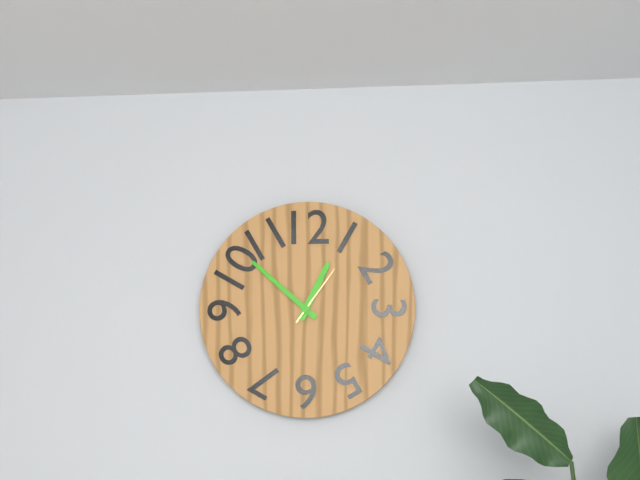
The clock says **12:52:06**
